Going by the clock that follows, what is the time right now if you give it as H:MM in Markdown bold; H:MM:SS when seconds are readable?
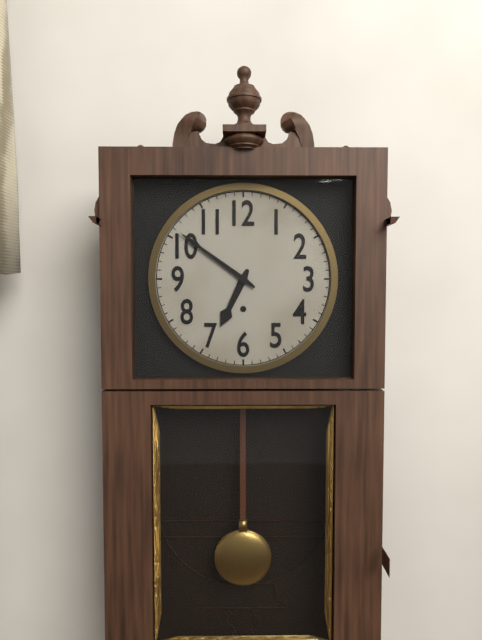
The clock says **6:51**
